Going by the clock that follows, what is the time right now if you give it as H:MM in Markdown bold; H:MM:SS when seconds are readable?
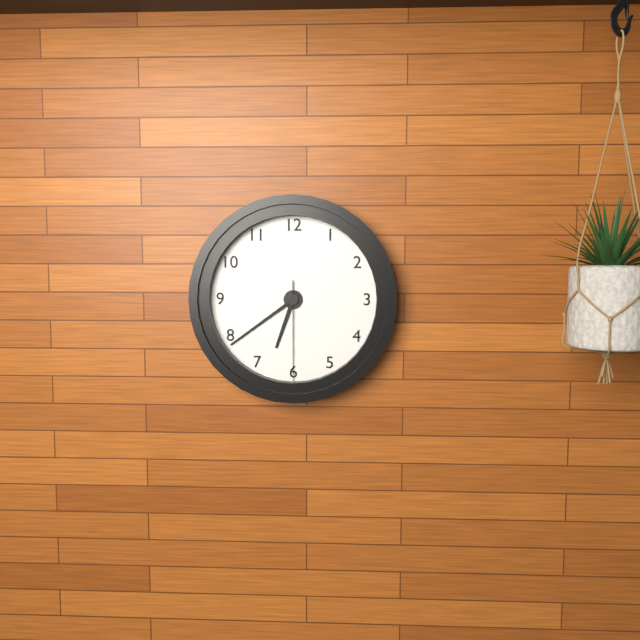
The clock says **6:39:30**
